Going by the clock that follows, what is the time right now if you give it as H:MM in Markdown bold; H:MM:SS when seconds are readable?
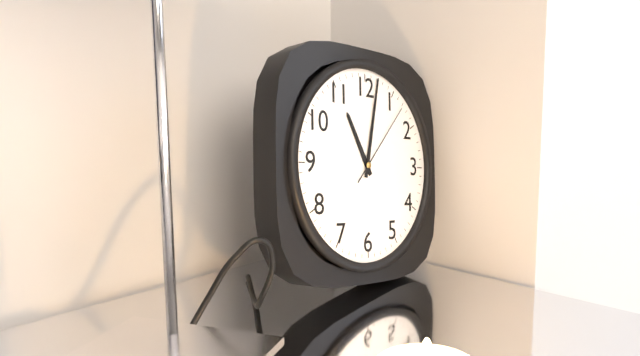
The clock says **11:02:07**
